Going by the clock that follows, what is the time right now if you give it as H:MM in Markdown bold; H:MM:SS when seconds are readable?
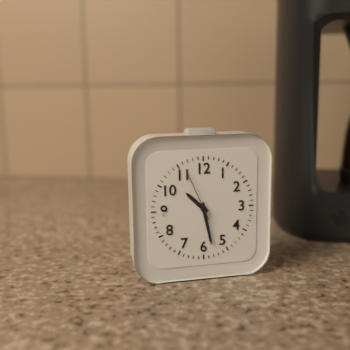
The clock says **10:28:56**
